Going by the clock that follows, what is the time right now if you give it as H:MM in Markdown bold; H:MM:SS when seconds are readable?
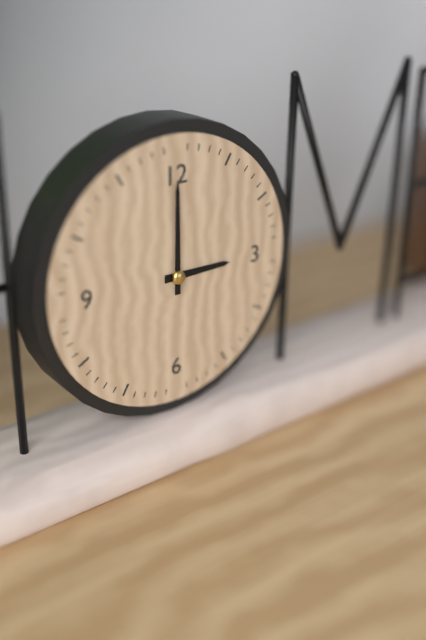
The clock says **3:00**
